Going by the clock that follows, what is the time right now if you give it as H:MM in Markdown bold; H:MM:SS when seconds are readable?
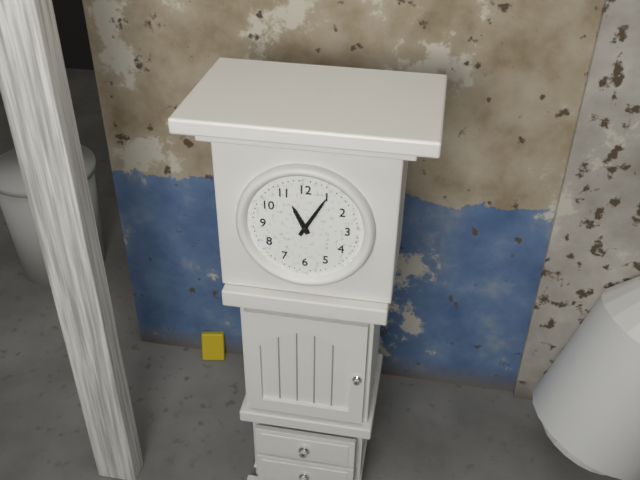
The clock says **11:05**
